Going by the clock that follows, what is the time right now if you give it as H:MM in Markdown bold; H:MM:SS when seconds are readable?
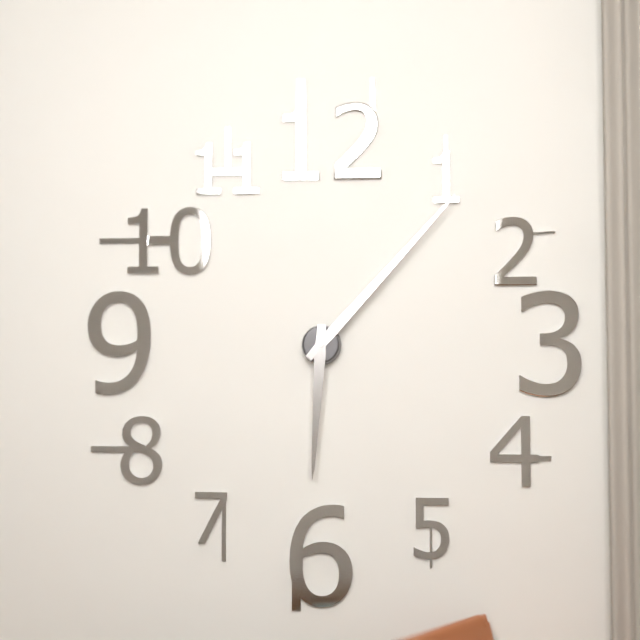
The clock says **6:07**
